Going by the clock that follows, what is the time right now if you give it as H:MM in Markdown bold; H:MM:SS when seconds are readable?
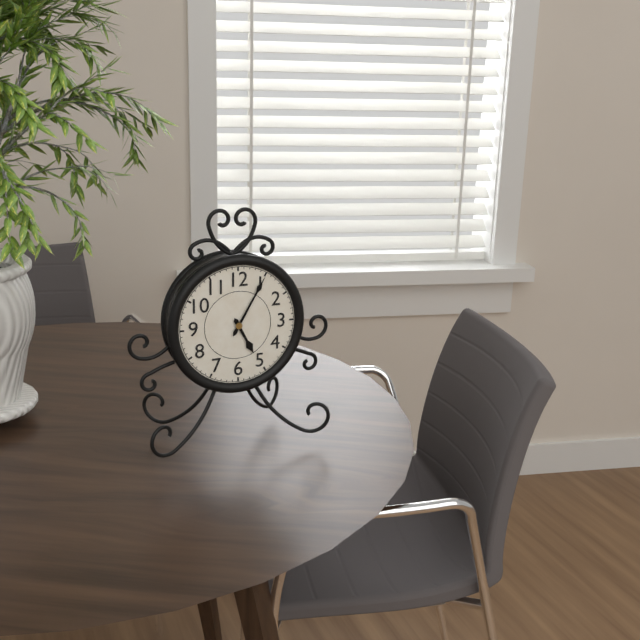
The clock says **5:05**
